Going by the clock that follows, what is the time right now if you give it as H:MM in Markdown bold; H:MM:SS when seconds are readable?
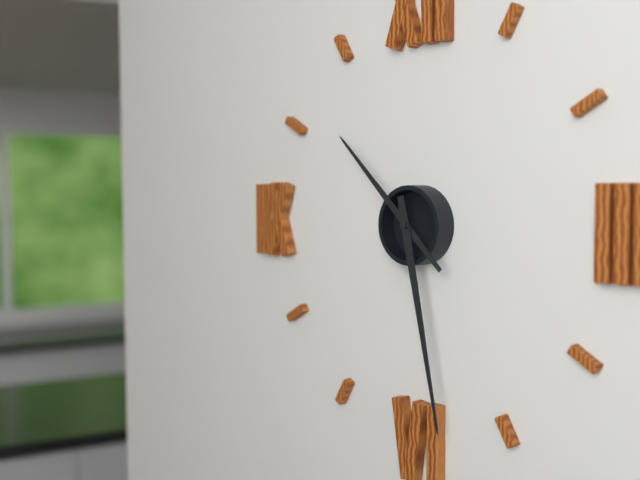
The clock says **10:28**
